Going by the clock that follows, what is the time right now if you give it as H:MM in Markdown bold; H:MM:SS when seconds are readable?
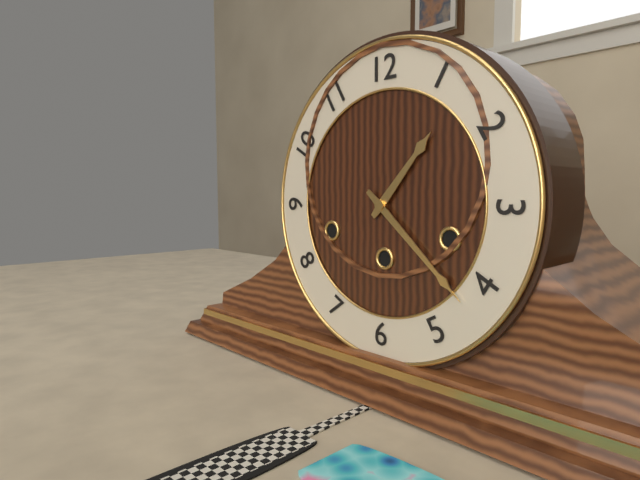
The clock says **1:22**
